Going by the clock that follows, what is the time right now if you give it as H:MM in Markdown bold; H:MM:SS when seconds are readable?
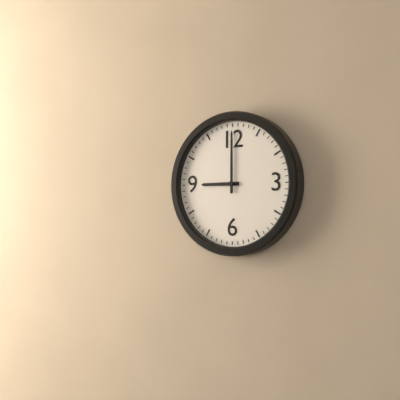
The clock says **9:00**
